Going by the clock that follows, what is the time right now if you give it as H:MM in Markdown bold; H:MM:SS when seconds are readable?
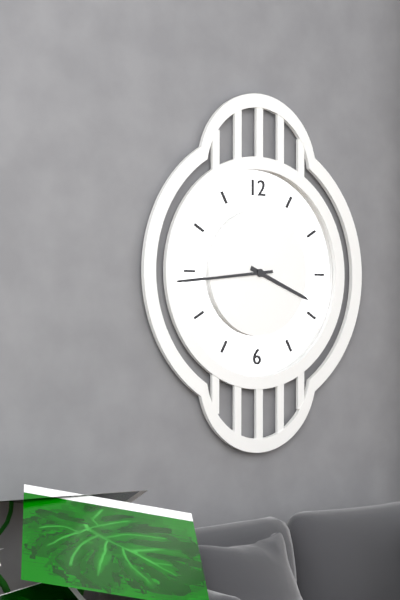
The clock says **3:44**
